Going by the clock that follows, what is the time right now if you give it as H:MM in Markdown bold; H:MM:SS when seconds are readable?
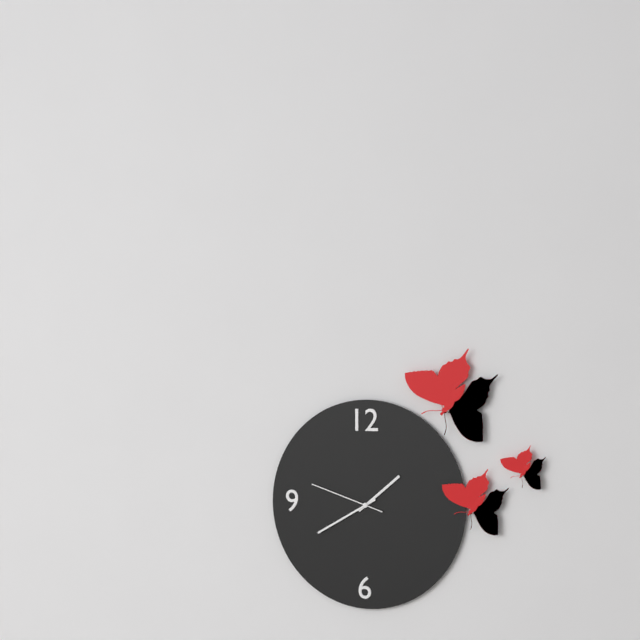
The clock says **1:40:48**
